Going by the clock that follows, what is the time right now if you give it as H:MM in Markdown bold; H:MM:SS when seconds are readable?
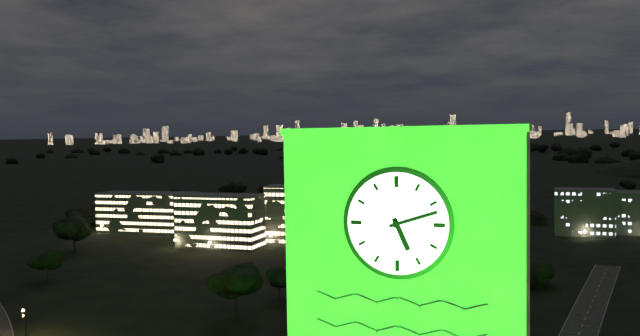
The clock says **5:12**
